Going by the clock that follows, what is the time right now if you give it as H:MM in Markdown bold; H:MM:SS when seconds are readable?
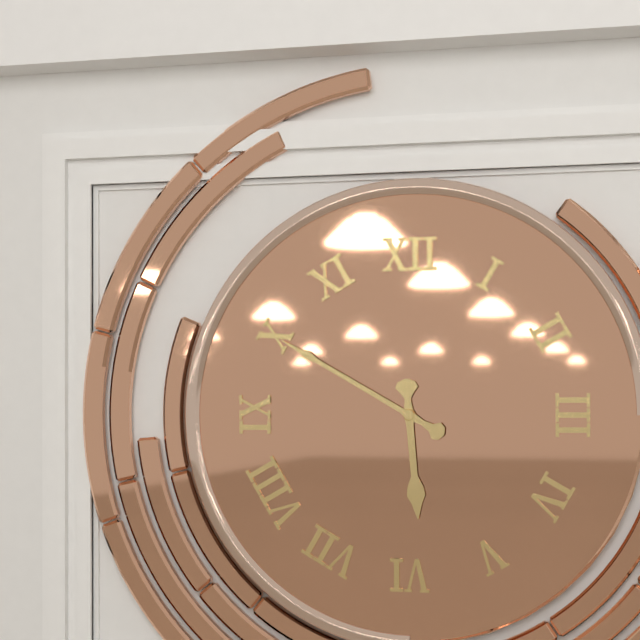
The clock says **5:50**
